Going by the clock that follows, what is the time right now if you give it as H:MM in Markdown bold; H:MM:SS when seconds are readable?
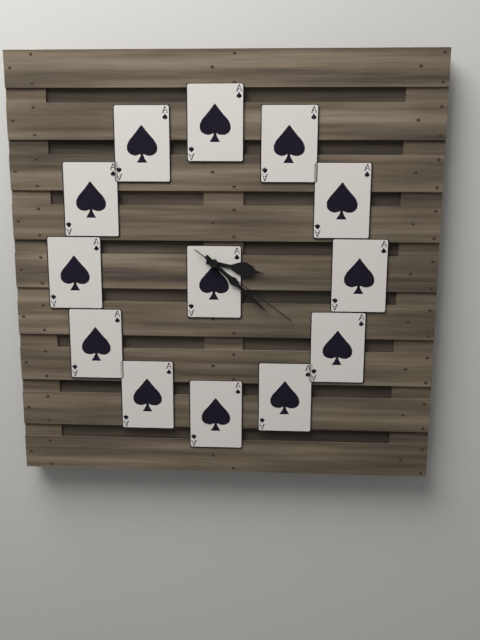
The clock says **3:22:21**
